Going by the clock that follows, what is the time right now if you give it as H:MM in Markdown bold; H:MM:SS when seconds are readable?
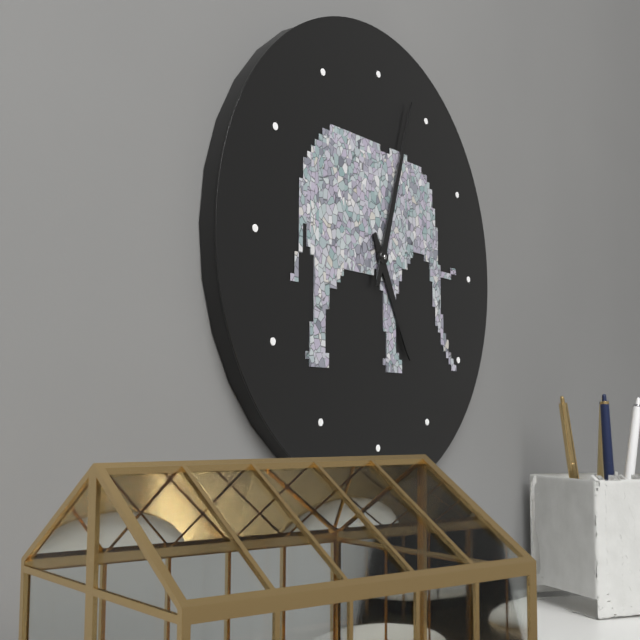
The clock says **5:03**
